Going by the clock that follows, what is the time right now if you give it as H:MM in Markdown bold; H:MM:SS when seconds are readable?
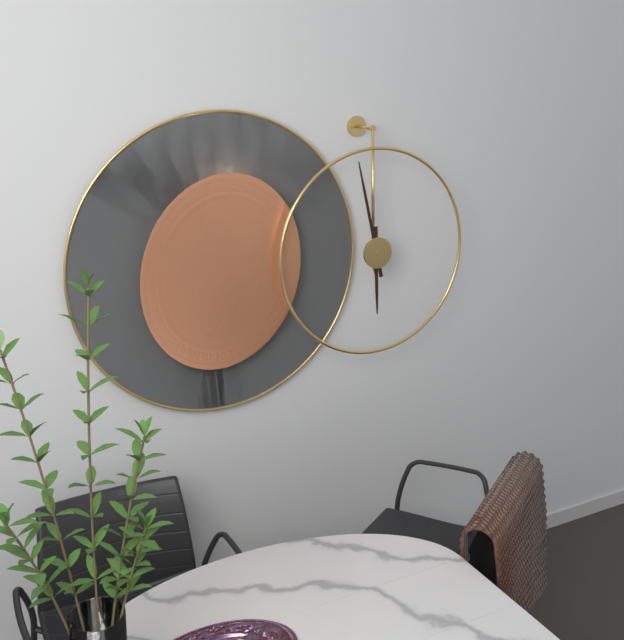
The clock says **5:58**
